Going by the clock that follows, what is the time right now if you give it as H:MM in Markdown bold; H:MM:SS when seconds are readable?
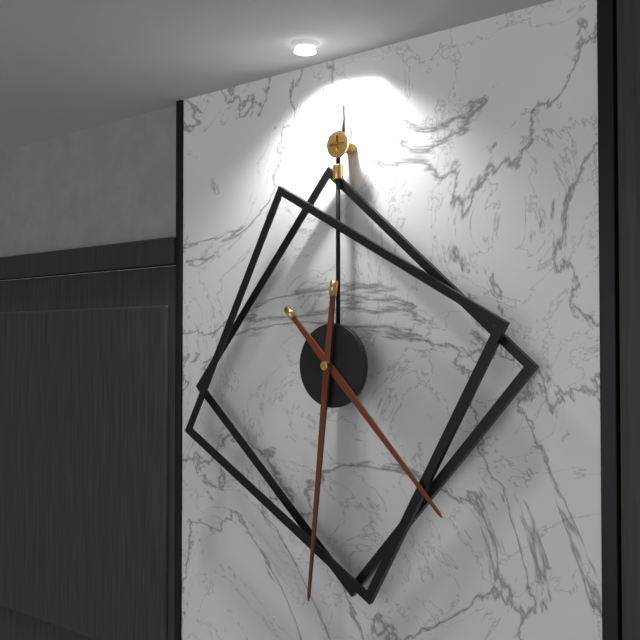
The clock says **4:31**
